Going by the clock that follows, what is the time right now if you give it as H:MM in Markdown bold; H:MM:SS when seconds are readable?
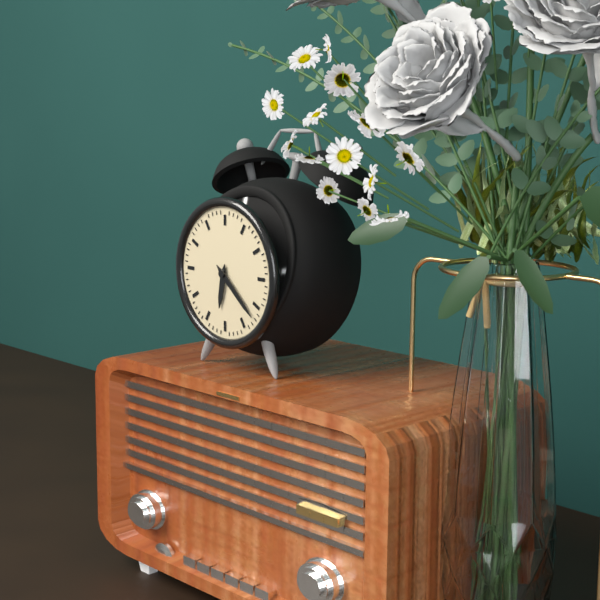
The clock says **6:22**
